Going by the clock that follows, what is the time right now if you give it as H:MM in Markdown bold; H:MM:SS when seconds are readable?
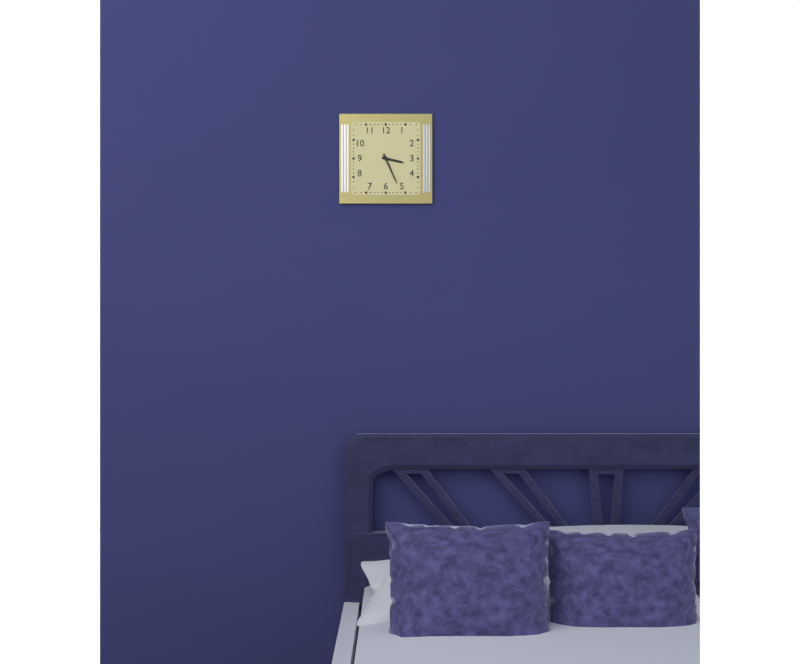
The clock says **3:26**
